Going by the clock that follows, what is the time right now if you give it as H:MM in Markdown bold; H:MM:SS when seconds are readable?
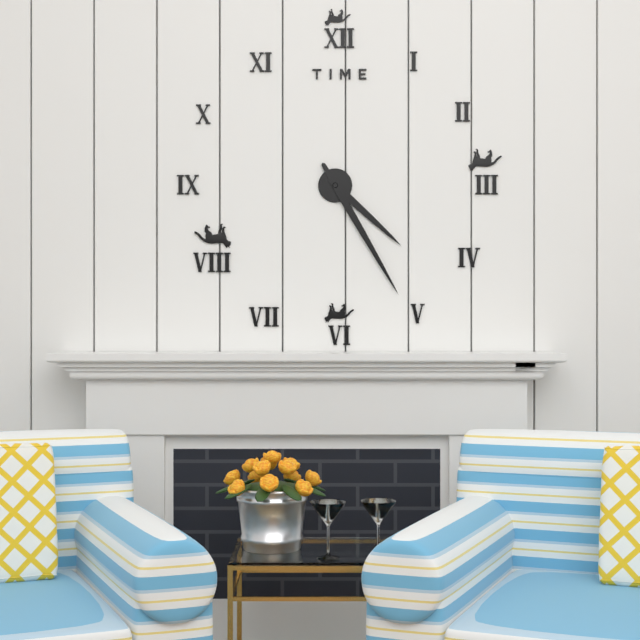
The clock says **4:25**
